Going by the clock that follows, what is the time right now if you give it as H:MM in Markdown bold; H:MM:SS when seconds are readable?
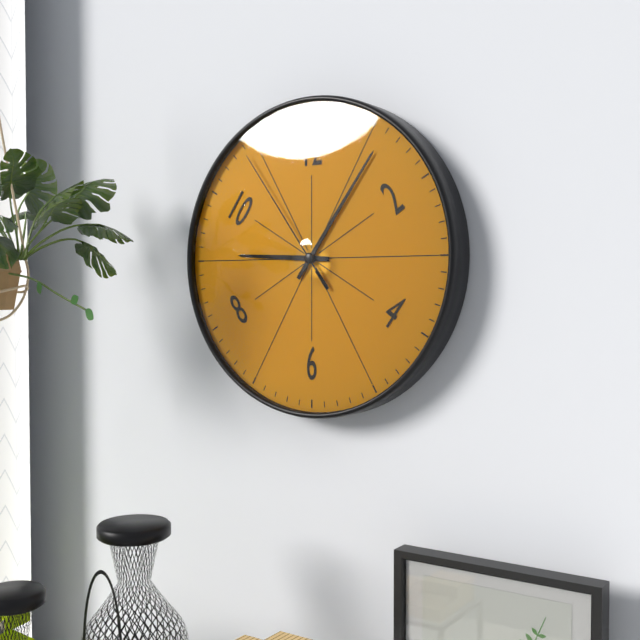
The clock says **9:06:54**
